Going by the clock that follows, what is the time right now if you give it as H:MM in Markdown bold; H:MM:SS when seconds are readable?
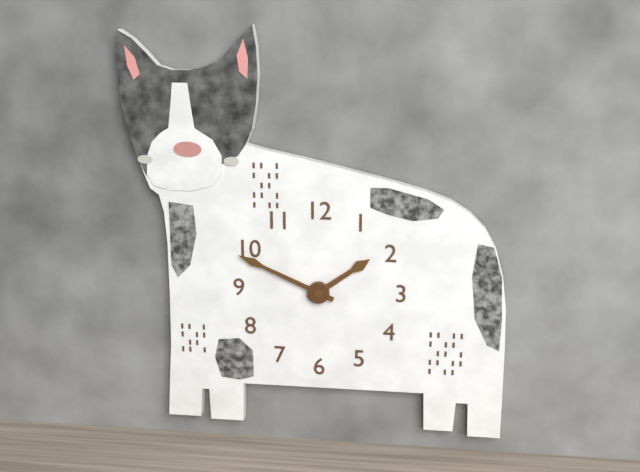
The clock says **1:49**
